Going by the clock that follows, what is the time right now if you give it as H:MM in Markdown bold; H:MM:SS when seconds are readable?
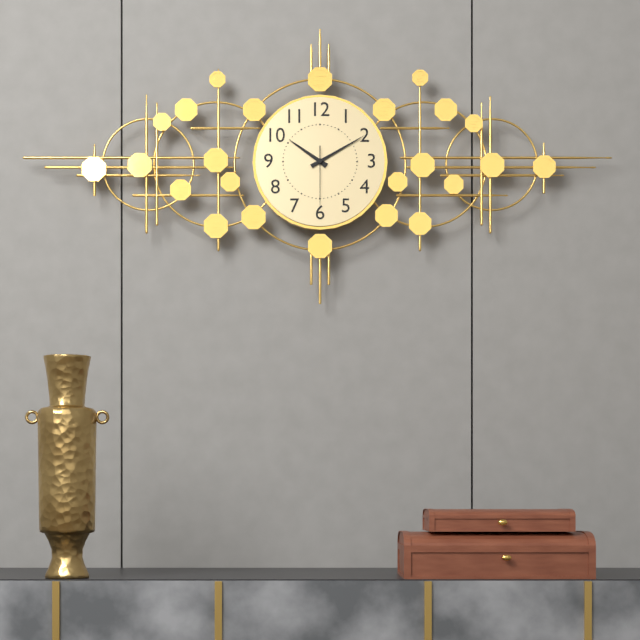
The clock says **10:10:30**
